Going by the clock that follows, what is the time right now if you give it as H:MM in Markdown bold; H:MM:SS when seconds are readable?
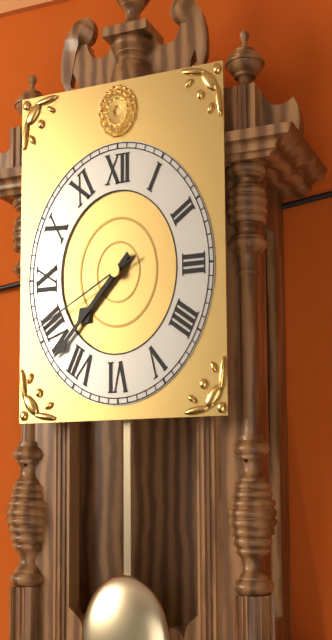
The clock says **7:38:41**
